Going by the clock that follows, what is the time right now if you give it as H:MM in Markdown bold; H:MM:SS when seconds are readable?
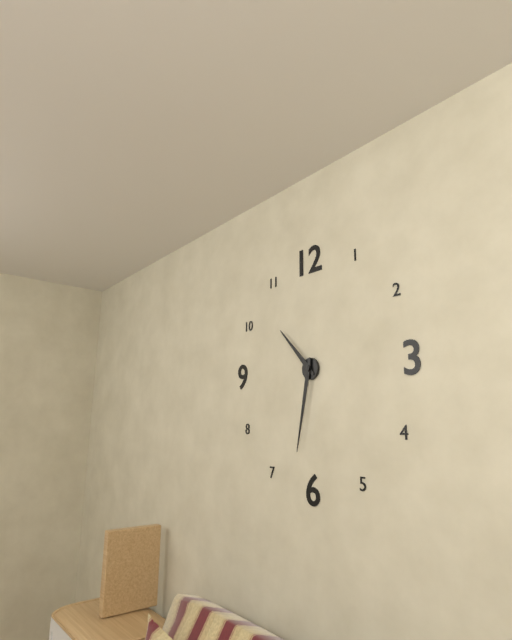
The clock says **10:32**
